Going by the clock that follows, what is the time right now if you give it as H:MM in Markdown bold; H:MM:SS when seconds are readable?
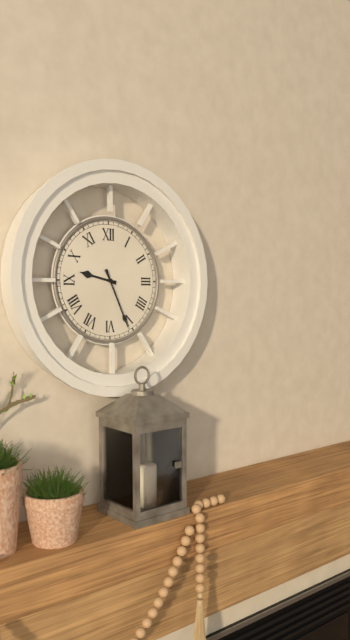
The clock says **9:26**
